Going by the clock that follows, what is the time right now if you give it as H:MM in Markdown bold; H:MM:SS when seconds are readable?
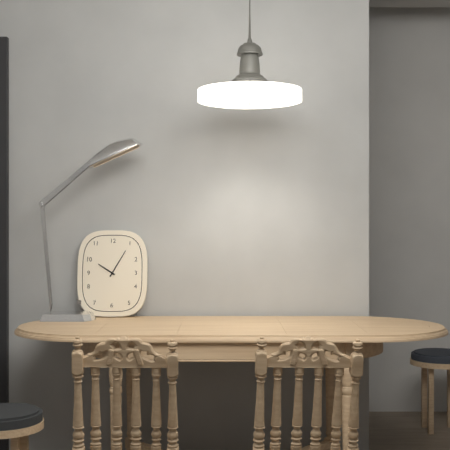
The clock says **10:05**
